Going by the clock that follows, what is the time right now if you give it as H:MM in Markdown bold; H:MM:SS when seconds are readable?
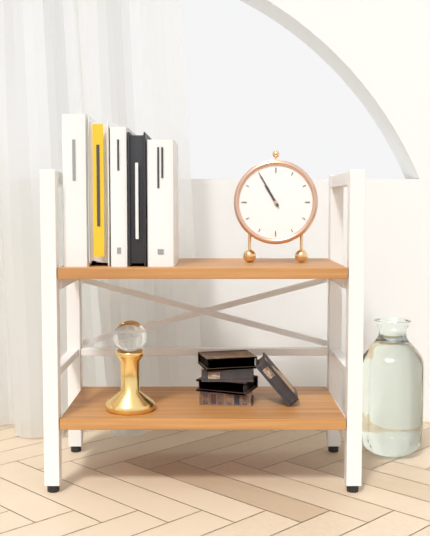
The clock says **10:55**
